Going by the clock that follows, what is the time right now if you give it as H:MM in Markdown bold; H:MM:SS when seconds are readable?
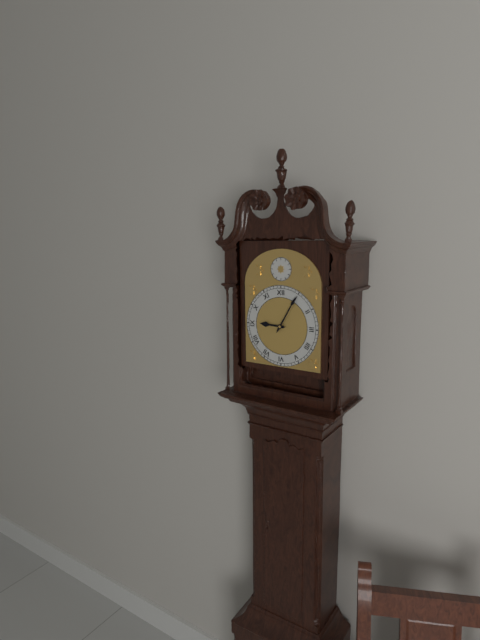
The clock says **9:05**
